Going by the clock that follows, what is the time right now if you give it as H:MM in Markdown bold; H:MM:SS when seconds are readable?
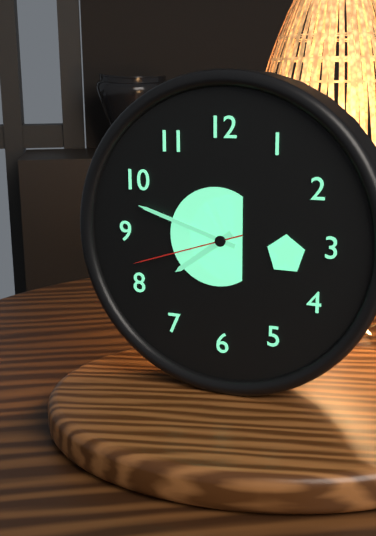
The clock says **7:48:42**
